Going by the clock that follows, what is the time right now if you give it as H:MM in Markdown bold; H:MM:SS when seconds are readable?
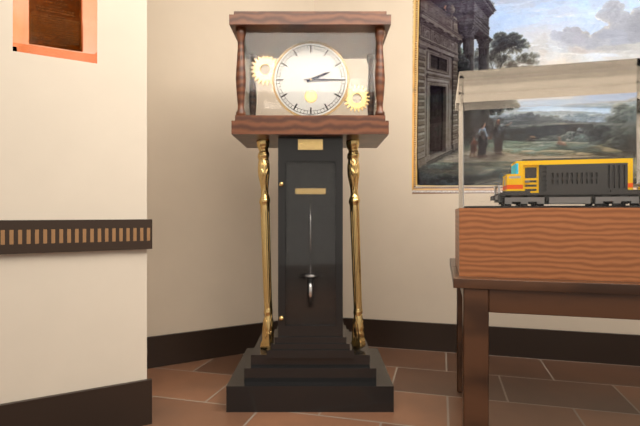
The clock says **2:15**
